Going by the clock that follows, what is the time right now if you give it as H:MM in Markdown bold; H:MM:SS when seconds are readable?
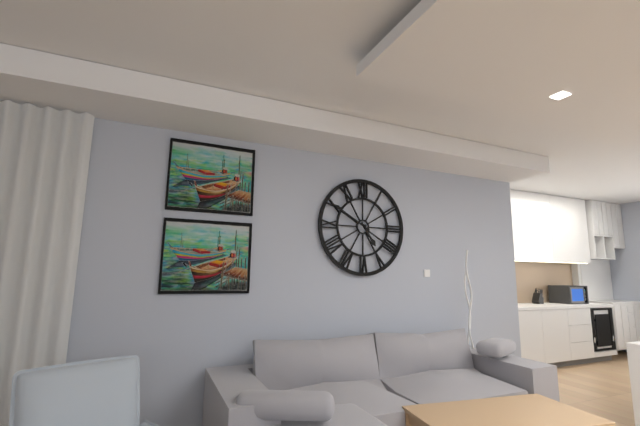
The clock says **4:50**
